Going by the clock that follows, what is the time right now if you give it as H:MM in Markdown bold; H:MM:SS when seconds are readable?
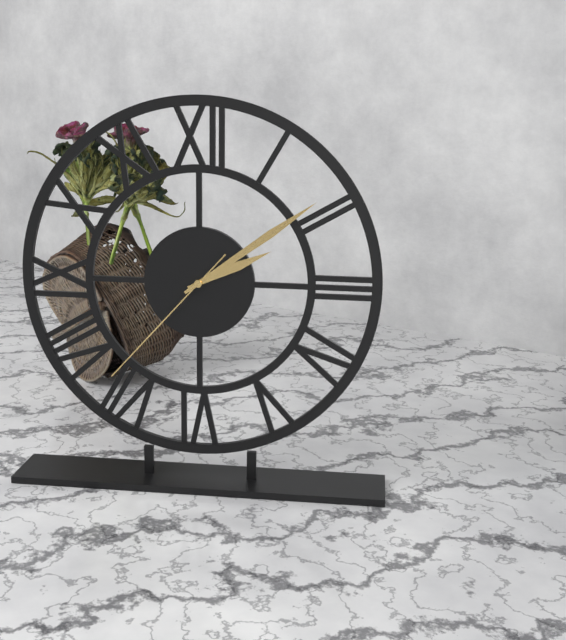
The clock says **2:09:37**
